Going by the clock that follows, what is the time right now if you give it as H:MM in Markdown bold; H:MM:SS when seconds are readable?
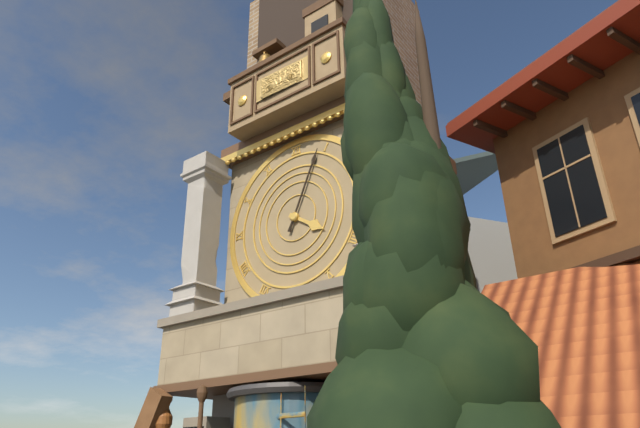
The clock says **4:04**
